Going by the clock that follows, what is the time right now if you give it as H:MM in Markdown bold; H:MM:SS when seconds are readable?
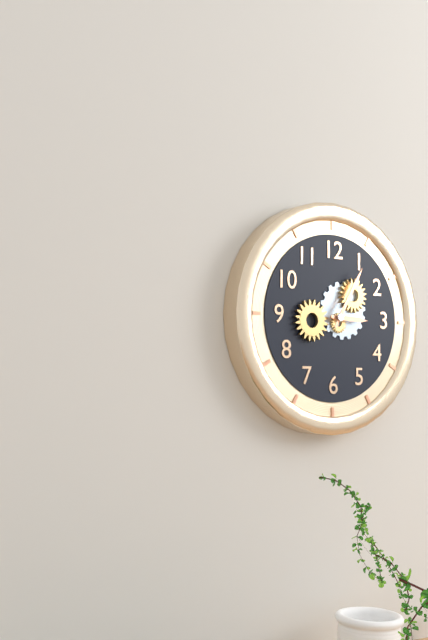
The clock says **3:05**
